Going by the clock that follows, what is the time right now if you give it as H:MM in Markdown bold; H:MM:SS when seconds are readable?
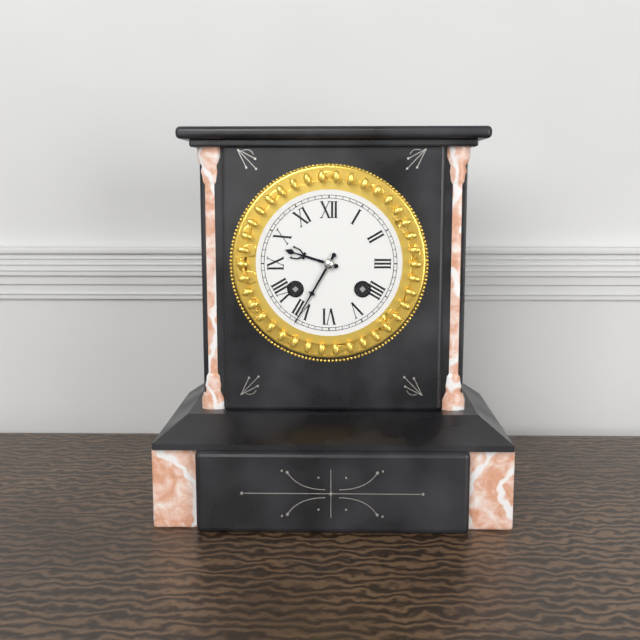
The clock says **9:35**
